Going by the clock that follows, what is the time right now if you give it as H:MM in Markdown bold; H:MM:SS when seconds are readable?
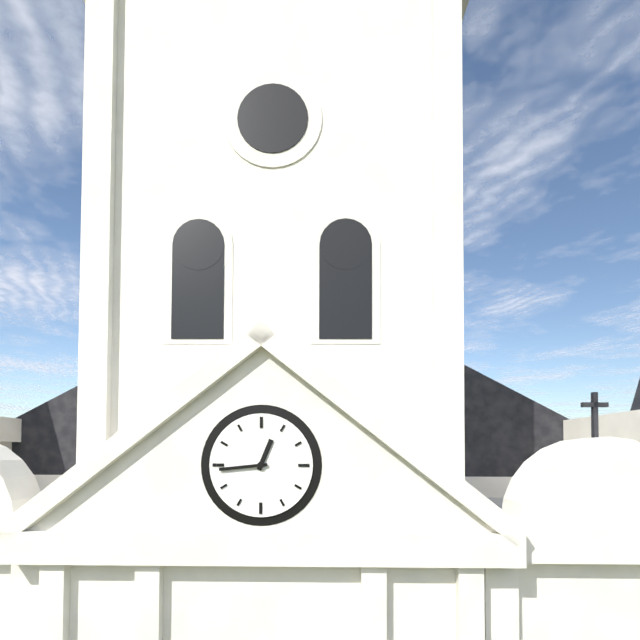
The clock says **12:44**
